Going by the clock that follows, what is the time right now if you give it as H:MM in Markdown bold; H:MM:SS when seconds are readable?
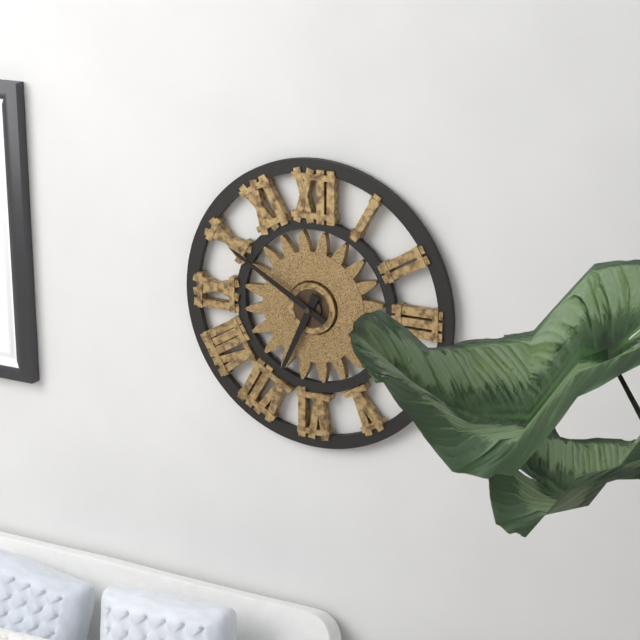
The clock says **6:50**
